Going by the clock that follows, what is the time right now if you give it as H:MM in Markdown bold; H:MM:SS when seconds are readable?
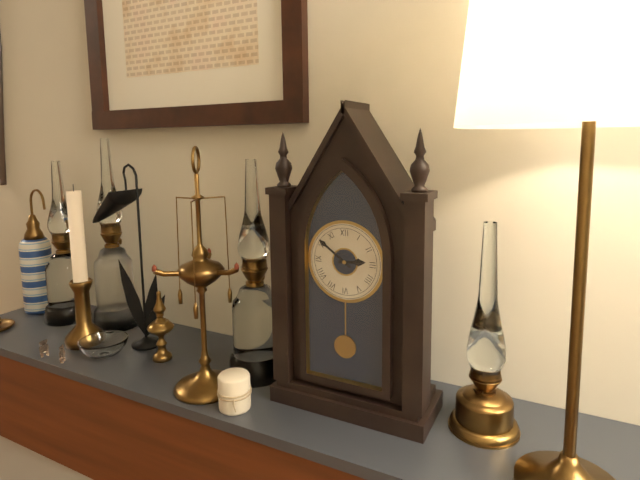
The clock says **2:51**
